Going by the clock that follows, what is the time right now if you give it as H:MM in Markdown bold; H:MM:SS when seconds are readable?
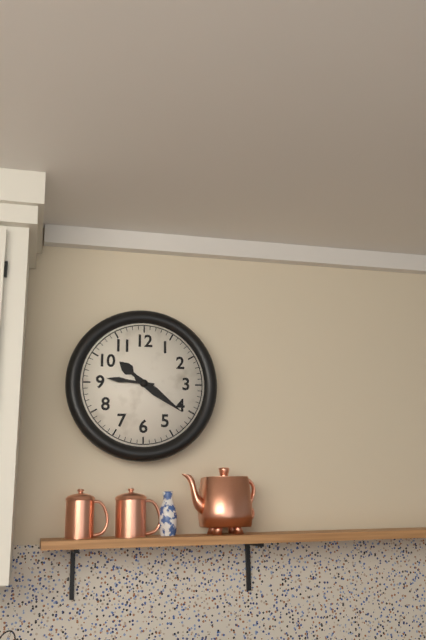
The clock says **10:21**
